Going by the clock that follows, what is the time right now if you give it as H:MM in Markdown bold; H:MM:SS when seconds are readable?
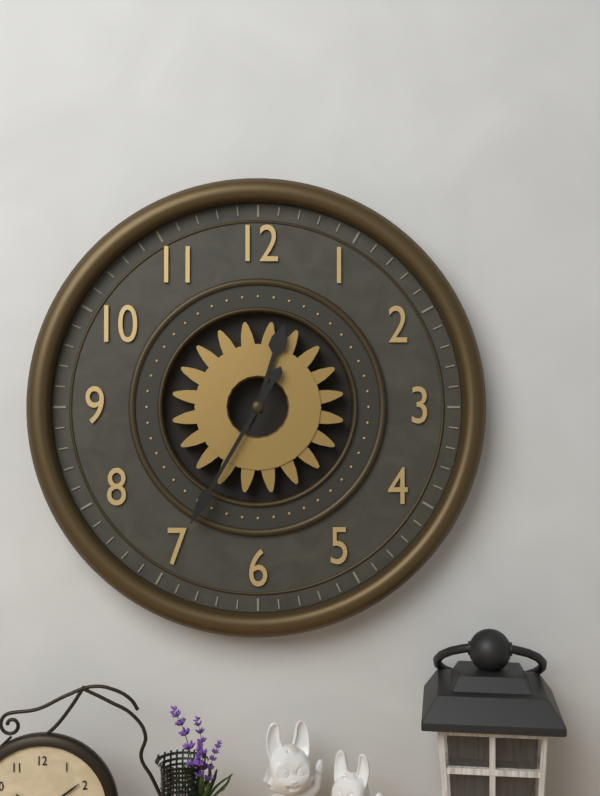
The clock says **12:35**
